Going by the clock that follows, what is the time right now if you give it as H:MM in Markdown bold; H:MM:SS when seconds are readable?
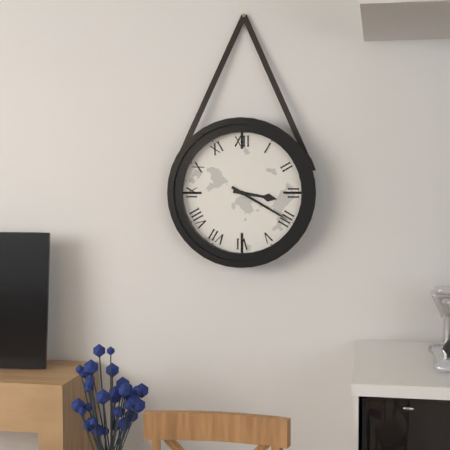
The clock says **3:20**
